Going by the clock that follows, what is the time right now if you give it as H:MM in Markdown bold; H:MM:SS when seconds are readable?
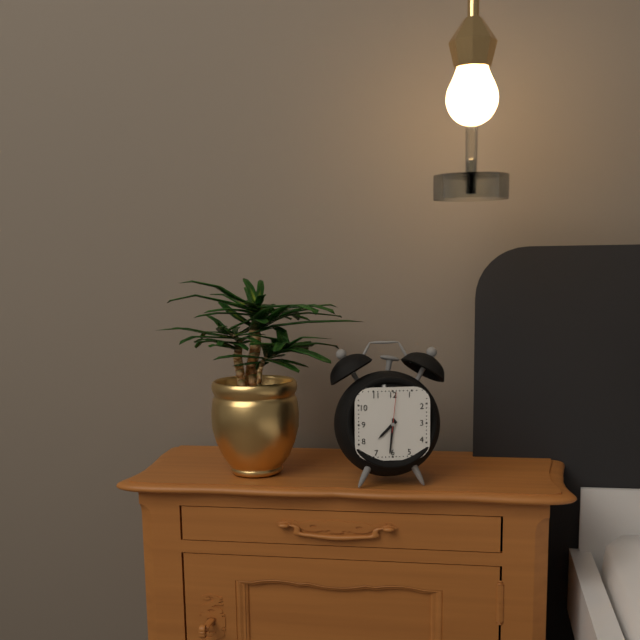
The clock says **7:31**
